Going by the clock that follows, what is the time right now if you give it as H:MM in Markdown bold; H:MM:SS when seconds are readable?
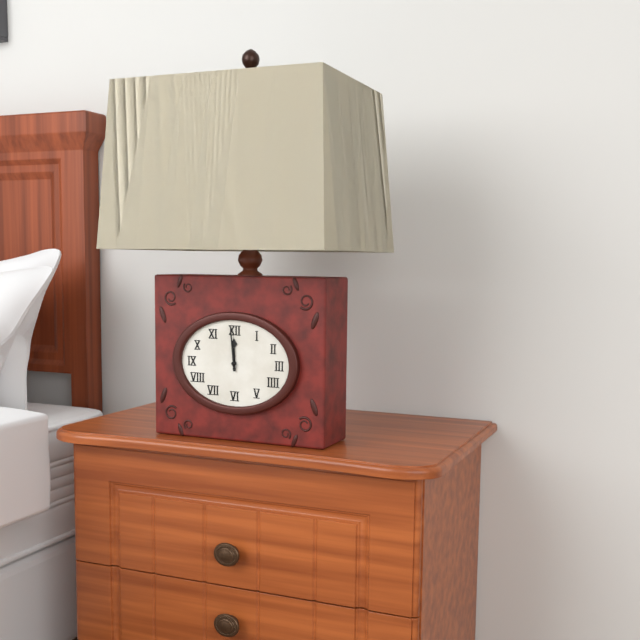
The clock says **11:59**
